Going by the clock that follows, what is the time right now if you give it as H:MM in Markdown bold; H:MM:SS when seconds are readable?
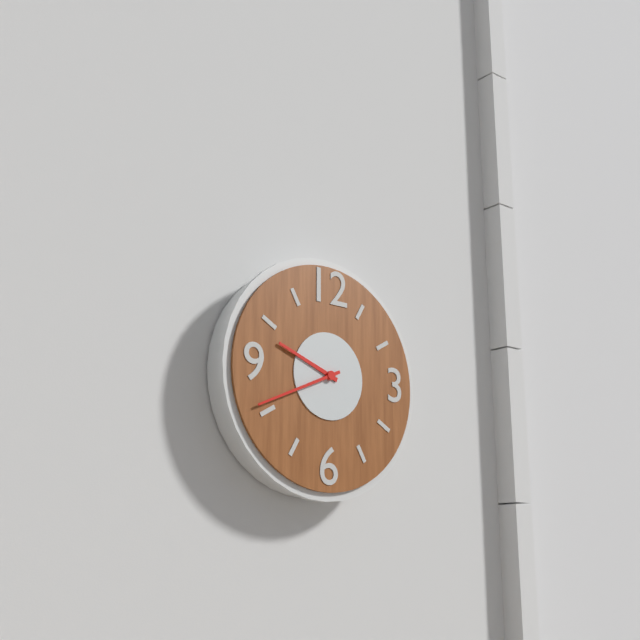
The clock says **9:41**
